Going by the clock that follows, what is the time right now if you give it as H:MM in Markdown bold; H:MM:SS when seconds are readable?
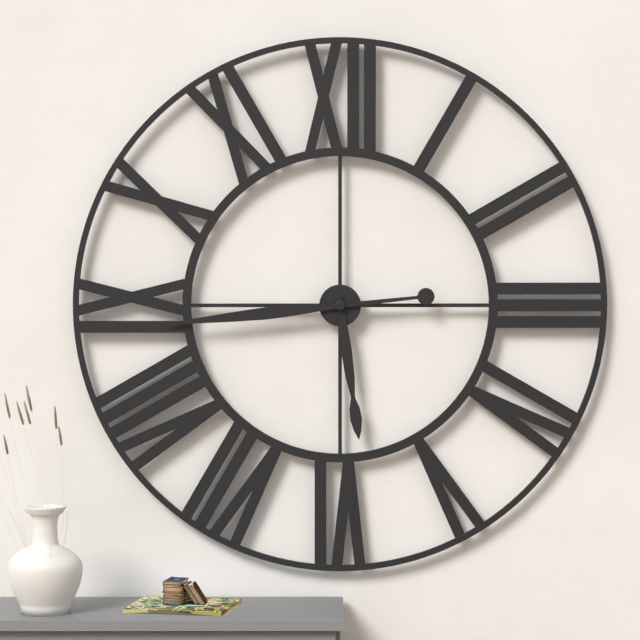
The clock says **5:44**
